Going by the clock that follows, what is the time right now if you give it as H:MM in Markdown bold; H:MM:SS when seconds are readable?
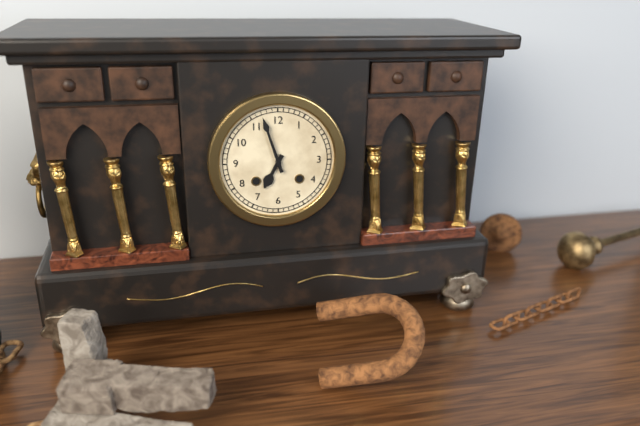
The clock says **6:57**
